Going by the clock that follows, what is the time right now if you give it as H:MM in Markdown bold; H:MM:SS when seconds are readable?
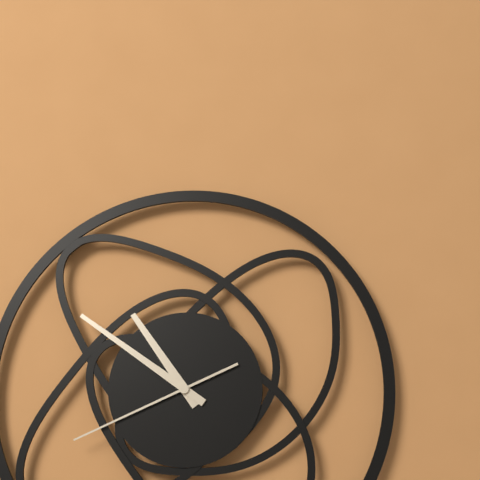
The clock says **10:51:41**
